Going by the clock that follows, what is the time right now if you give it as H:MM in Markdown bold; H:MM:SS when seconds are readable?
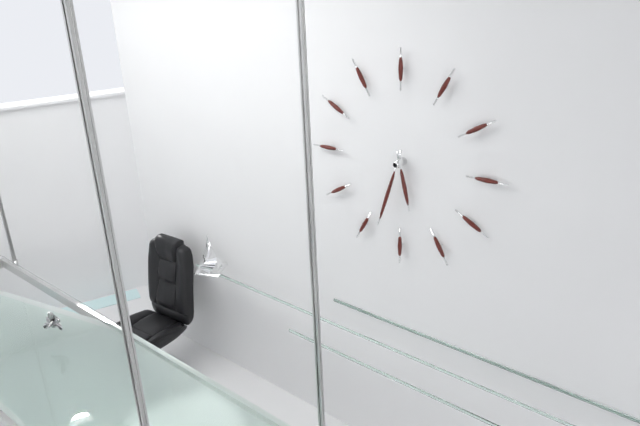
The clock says **5:33**
